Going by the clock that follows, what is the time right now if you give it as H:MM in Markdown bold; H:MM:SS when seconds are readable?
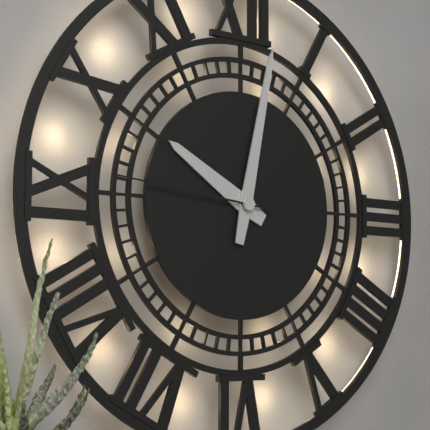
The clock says **10:02:46**
